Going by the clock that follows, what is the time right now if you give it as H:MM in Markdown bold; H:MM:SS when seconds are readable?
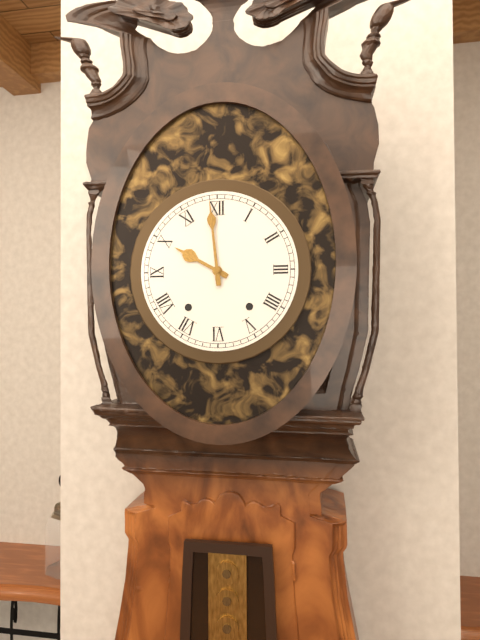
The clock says **9:59**
